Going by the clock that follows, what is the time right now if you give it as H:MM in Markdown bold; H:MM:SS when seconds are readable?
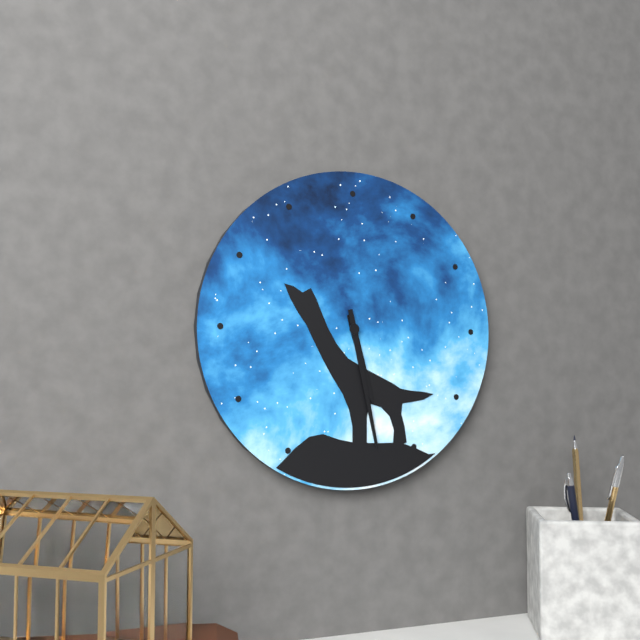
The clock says **5:28**
